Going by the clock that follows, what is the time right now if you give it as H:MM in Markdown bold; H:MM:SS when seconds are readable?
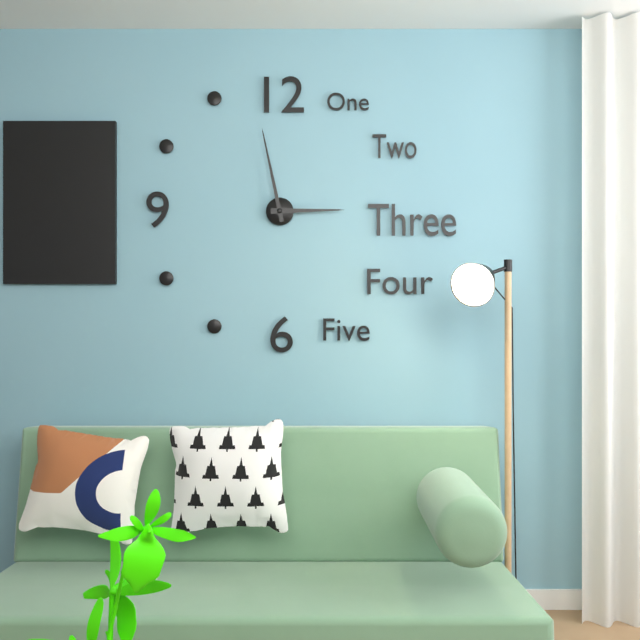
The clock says **2:58**
